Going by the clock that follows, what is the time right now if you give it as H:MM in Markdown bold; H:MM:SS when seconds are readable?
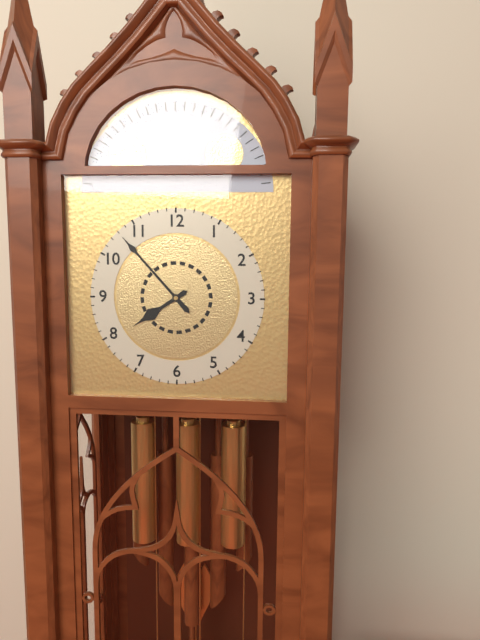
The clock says **7:53**
